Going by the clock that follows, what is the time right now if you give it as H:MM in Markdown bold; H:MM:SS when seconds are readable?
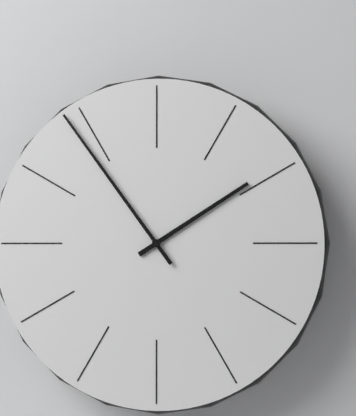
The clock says **1:54**
